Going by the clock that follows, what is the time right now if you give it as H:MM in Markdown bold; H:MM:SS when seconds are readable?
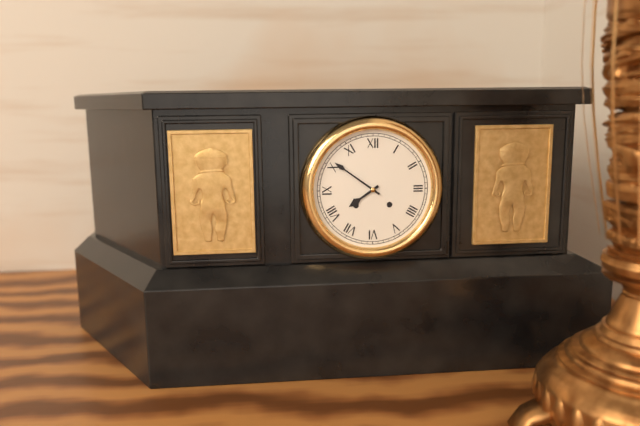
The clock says **7:51**
